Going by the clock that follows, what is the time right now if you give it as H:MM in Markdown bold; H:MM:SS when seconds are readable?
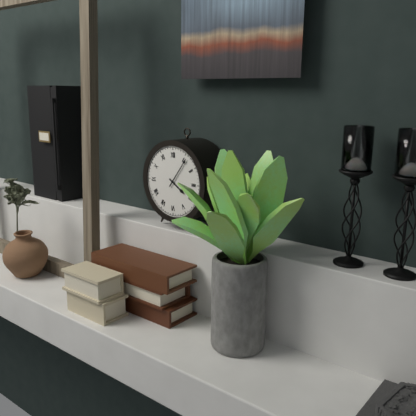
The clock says **4:06**
